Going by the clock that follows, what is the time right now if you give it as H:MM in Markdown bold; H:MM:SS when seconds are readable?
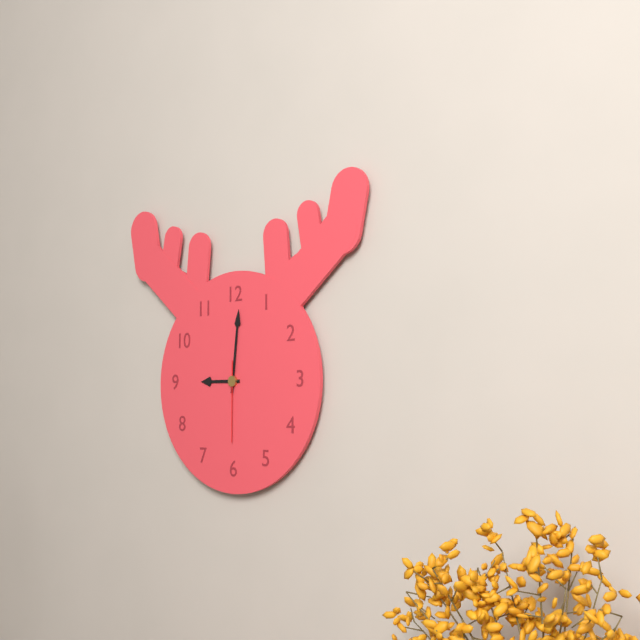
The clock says **9:01:30**
